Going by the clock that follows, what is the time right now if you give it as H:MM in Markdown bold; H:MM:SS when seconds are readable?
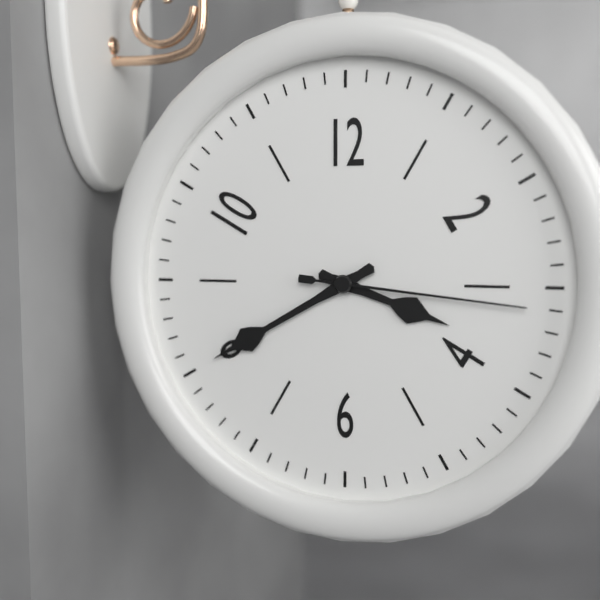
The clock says **3:40:16**
